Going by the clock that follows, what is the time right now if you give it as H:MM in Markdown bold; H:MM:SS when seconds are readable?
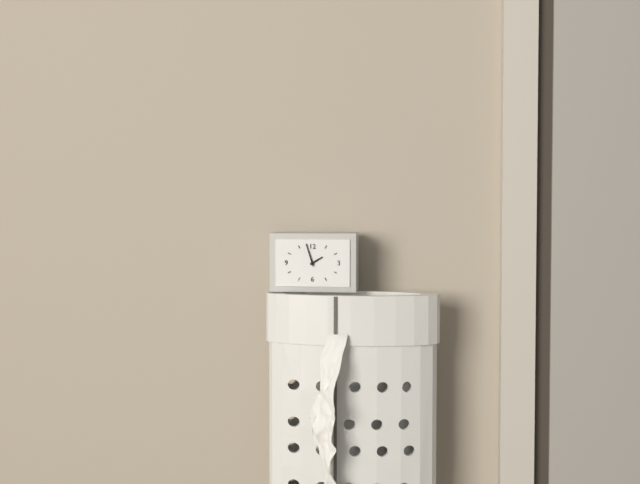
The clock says **1:57**
